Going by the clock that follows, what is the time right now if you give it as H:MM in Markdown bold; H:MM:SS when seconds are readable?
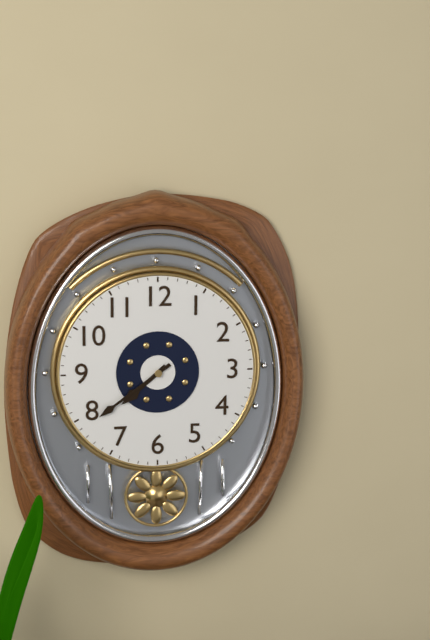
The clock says **7:39**
